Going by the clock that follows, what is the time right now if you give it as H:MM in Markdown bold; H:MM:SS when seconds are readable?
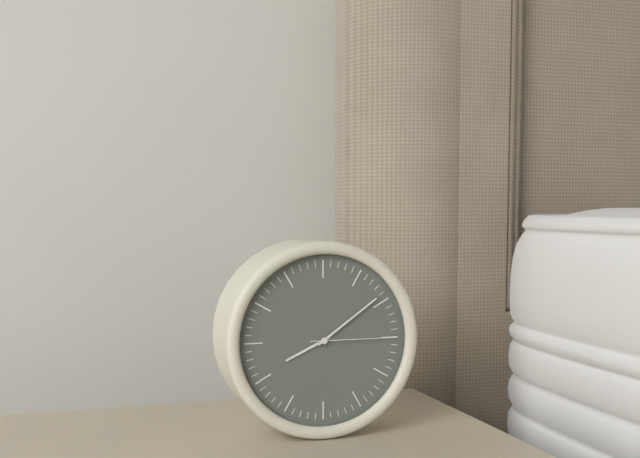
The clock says **8:09:15**
